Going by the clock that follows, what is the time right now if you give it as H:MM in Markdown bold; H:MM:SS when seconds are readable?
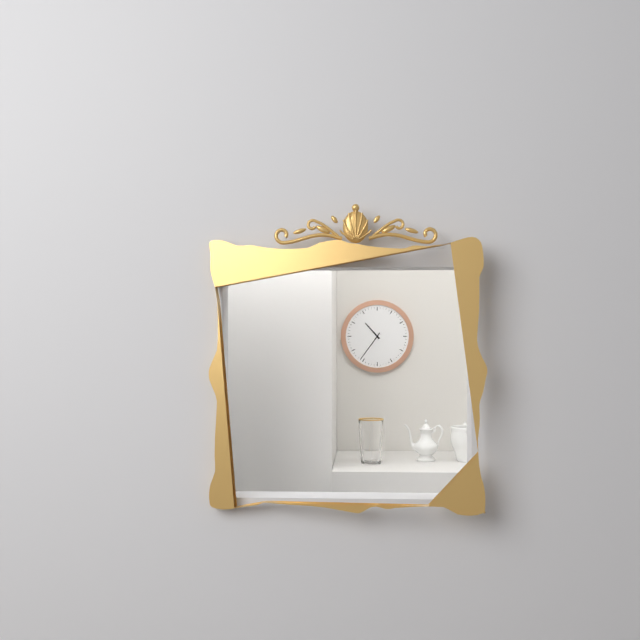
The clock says **10:36**
